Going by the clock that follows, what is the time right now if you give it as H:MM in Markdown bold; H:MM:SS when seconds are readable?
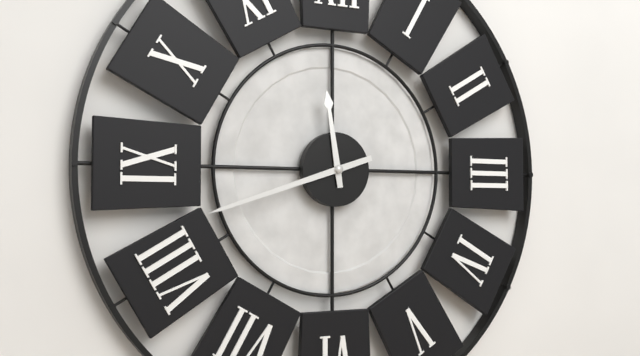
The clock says **11:42**
